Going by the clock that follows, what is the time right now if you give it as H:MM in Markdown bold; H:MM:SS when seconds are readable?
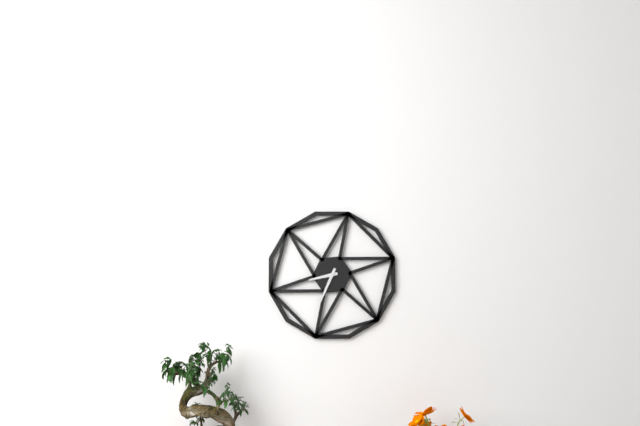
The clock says **8:34**
